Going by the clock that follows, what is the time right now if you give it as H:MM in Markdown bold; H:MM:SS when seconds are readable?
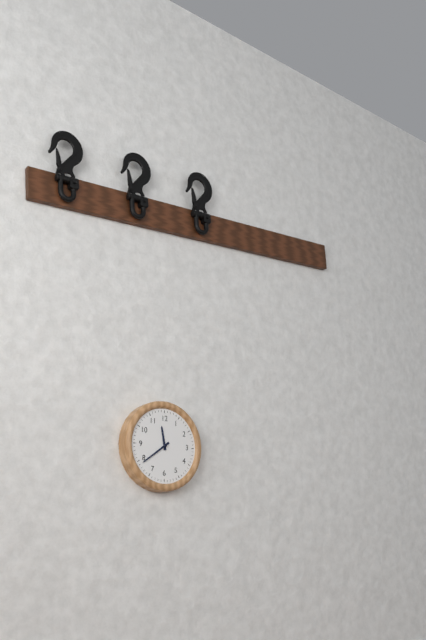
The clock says **11:39**
